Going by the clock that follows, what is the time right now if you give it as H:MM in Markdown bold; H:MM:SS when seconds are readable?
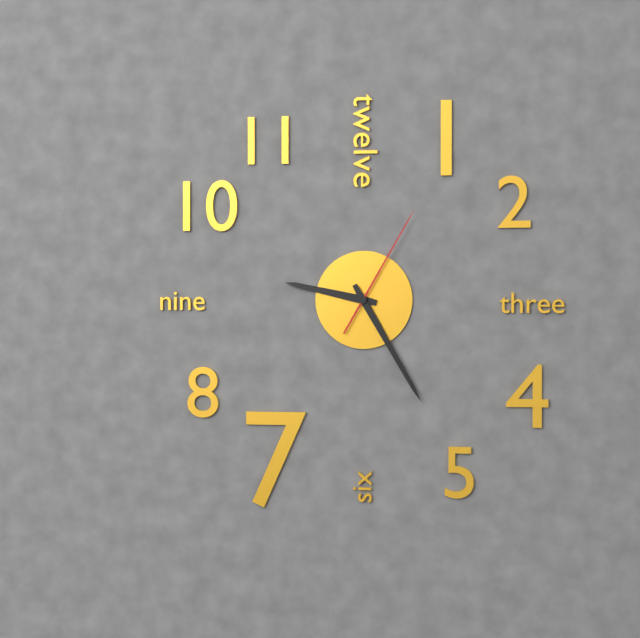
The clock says **9:25:05**
